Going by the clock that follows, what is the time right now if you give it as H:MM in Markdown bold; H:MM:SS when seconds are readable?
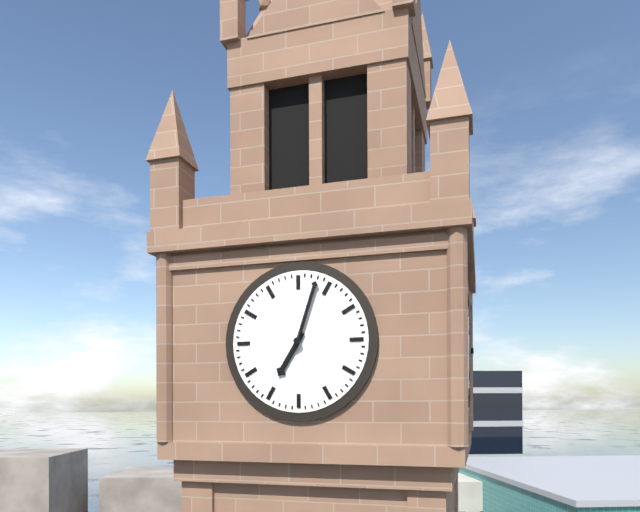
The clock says **7:03**
